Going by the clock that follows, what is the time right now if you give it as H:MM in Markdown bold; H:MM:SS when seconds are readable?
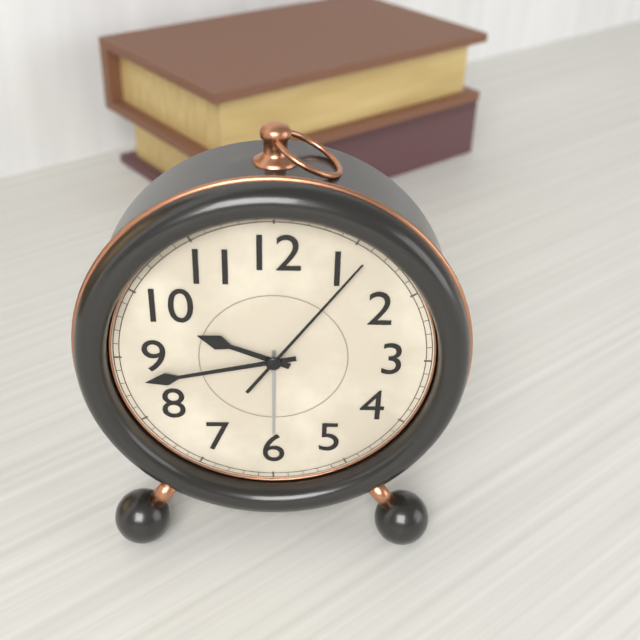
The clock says **9:43:06**
